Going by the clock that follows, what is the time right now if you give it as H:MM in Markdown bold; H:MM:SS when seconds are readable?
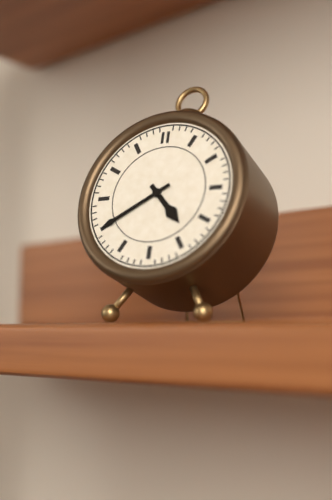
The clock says **4:40**
